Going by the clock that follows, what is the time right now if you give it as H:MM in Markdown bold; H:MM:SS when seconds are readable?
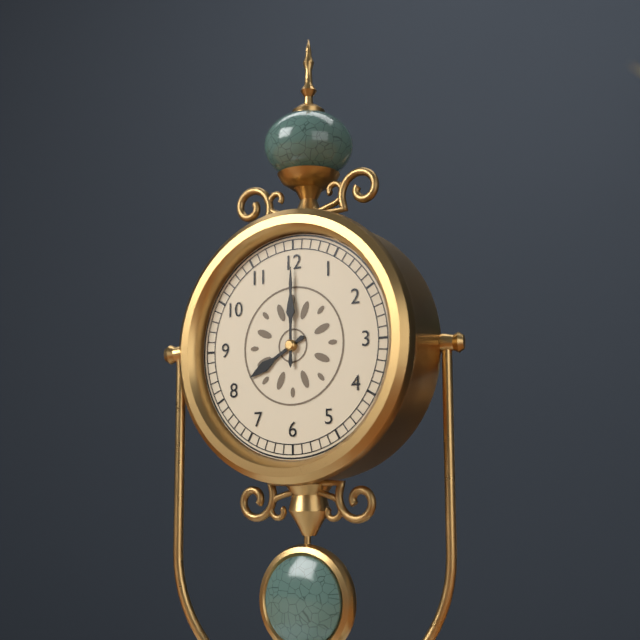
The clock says **8:00**
